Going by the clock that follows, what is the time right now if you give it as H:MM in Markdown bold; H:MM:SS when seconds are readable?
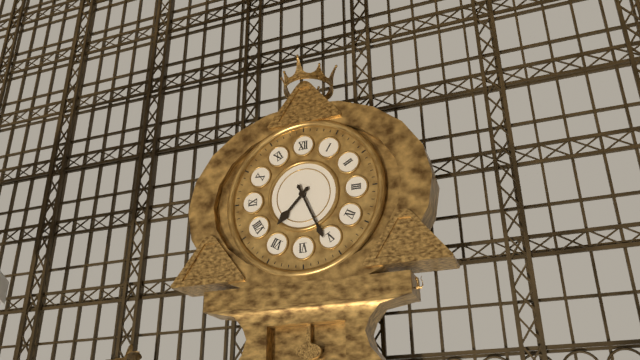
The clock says **7:26**
